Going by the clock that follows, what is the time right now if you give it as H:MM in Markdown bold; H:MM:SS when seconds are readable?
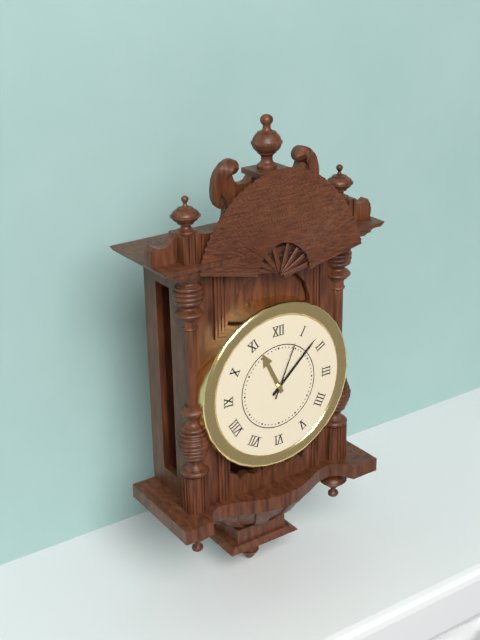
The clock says **11:08:04**
